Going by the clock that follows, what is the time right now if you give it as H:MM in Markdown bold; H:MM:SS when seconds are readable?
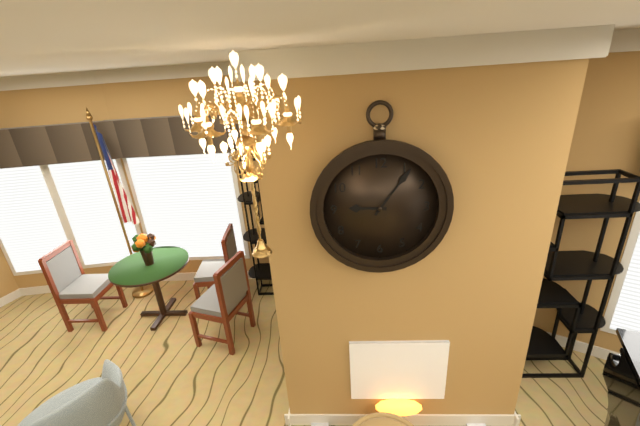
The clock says **9:06**
